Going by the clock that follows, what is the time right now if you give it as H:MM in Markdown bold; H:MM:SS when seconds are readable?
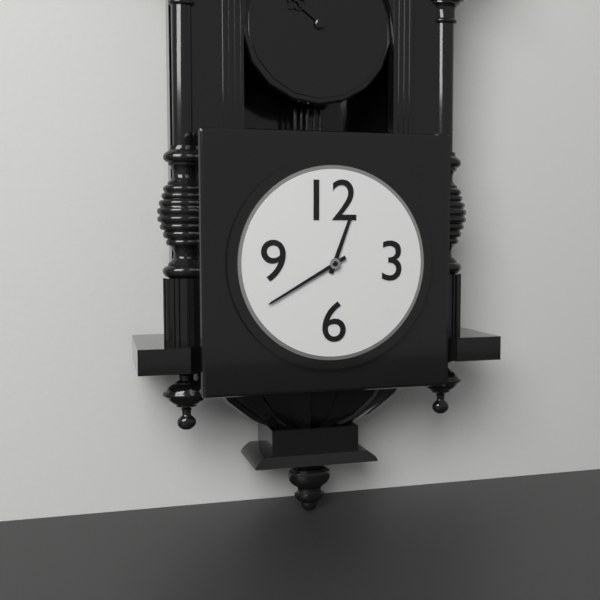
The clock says **12:40**
